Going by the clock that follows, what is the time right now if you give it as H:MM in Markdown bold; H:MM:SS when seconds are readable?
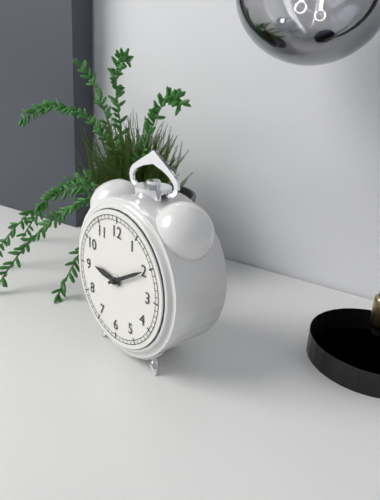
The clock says **9:10**
